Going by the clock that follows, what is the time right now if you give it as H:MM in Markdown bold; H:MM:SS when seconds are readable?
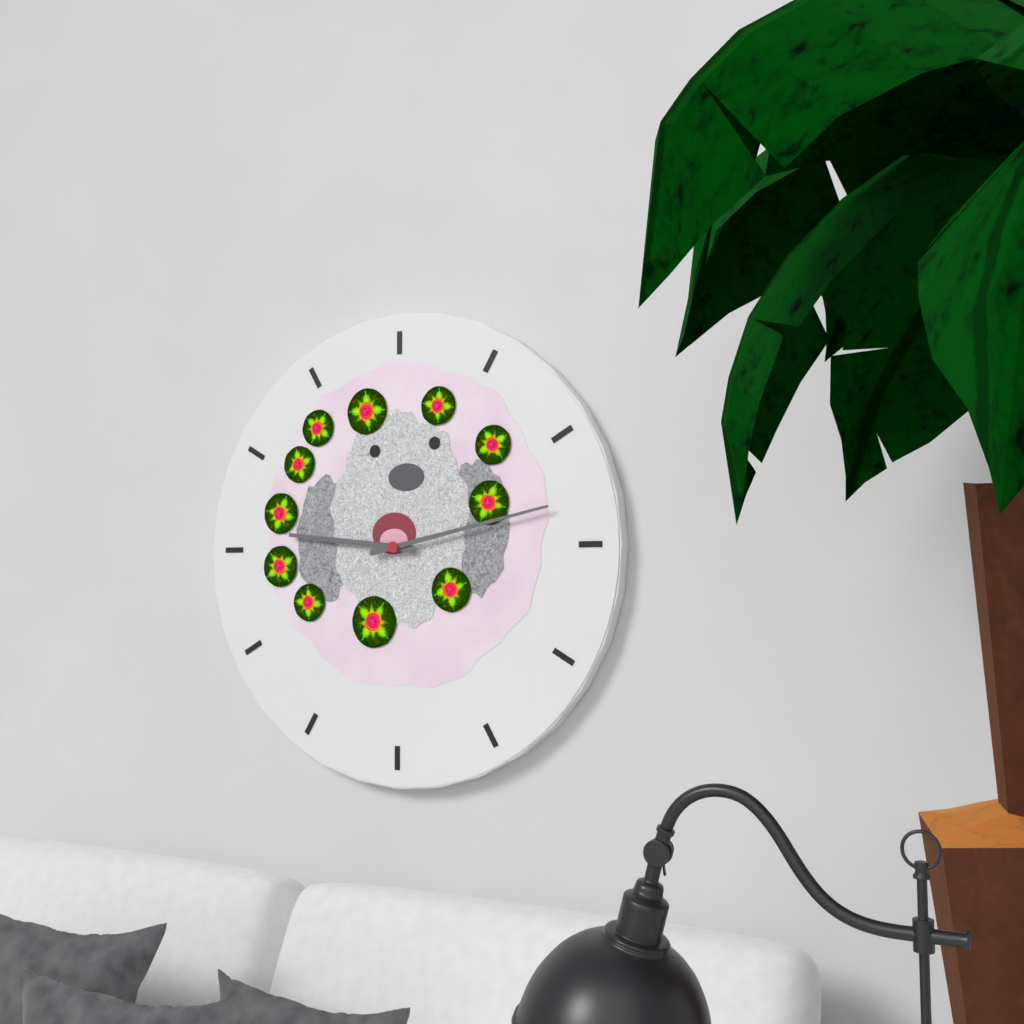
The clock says **9:13**
